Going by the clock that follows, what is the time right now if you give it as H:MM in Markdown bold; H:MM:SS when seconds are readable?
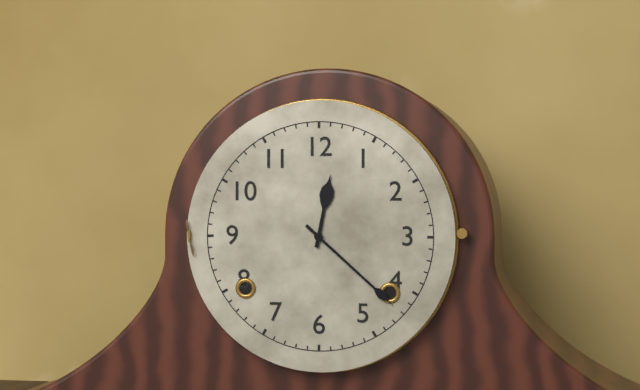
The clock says **12:22**
